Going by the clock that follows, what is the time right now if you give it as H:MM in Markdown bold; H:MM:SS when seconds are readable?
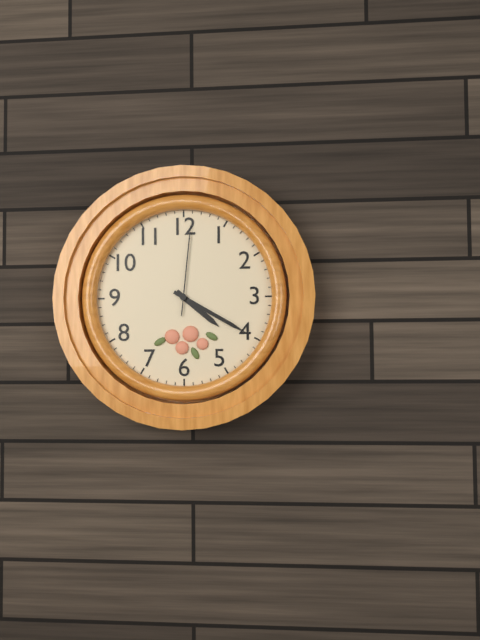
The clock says **4:20:01**
